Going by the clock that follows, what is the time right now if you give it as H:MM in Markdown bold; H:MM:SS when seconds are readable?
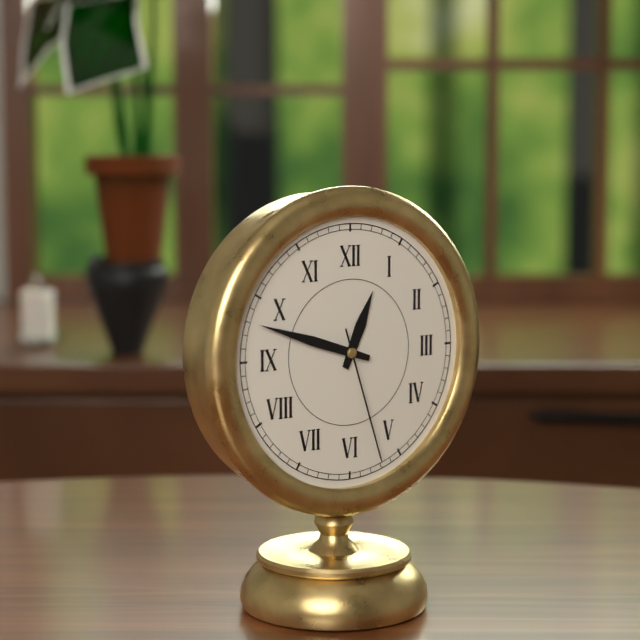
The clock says **12:48:27**
